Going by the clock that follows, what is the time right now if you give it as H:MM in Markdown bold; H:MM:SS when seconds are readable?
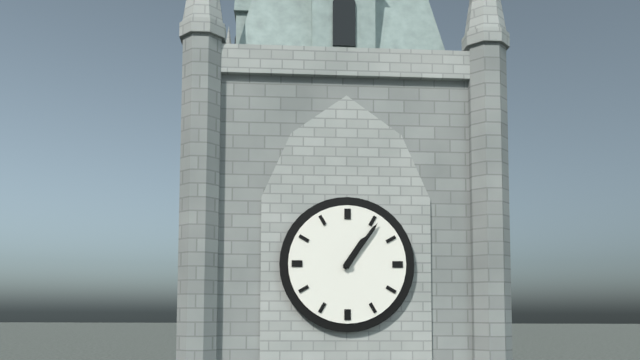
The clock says **1:06**
